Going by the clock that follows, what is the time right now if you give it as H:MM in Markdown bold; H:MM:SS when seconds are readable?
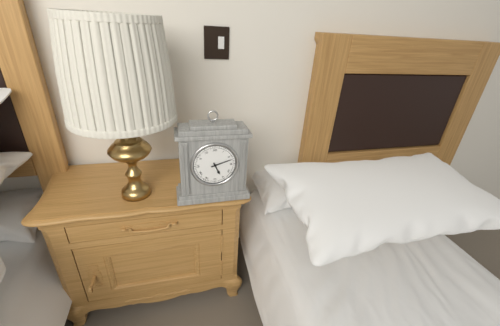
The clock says **5:12**
